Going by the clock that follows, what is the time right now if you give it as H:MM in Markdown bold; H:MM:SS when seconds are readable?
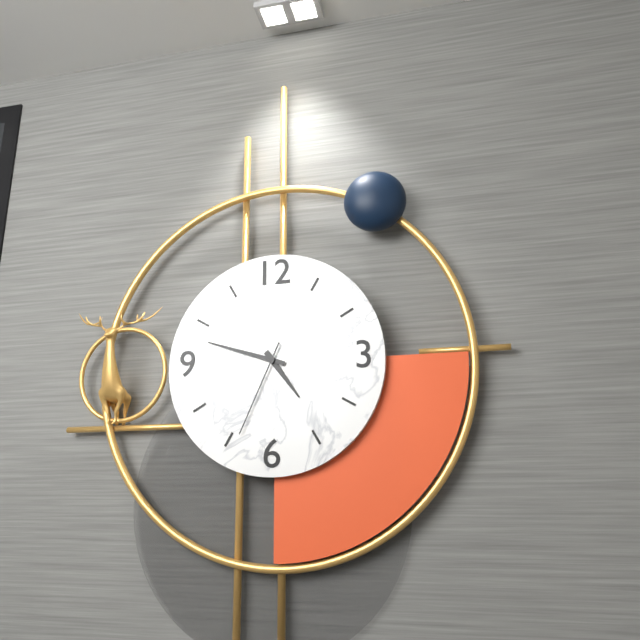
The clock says **4:48:34**
